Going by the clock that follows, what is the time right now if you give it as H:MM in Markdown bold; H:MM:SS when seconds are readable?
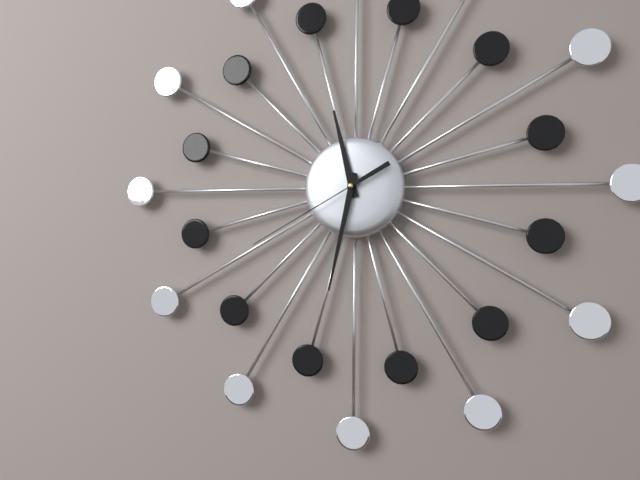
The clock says **11:32:40**
